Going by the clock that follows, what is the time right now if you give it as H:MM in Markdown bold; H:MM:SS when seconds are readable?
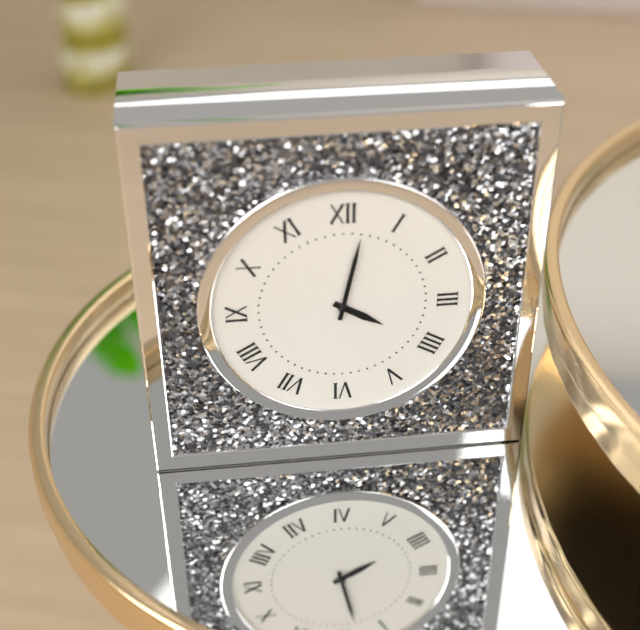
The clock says **4:02**
